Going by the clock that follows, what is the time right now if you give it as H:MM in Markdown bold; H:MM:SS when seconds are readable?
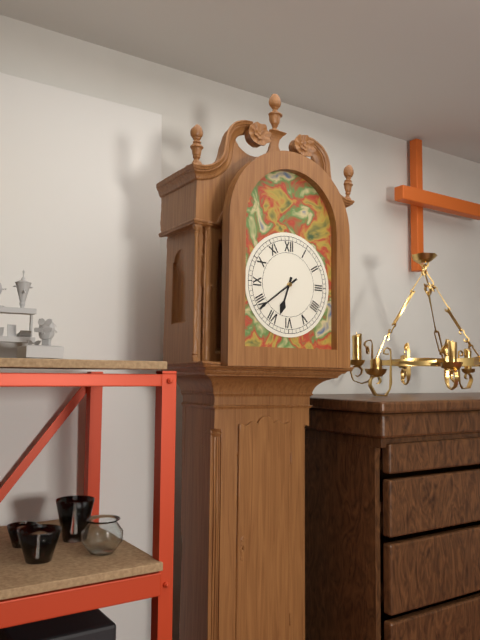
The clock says **6:39**
